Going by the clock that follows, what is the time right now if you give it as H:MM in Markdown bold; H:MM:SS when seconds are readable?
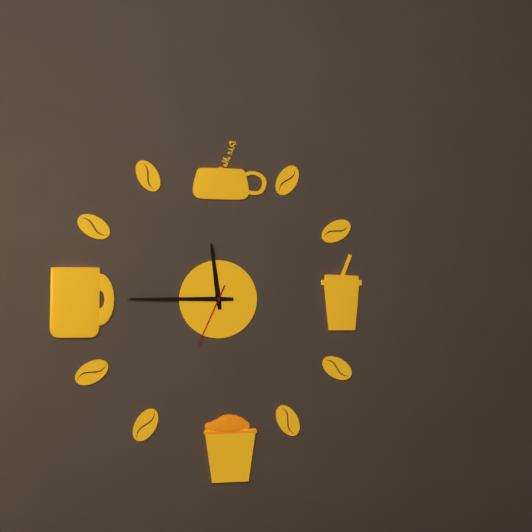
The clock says **11:45:34**
